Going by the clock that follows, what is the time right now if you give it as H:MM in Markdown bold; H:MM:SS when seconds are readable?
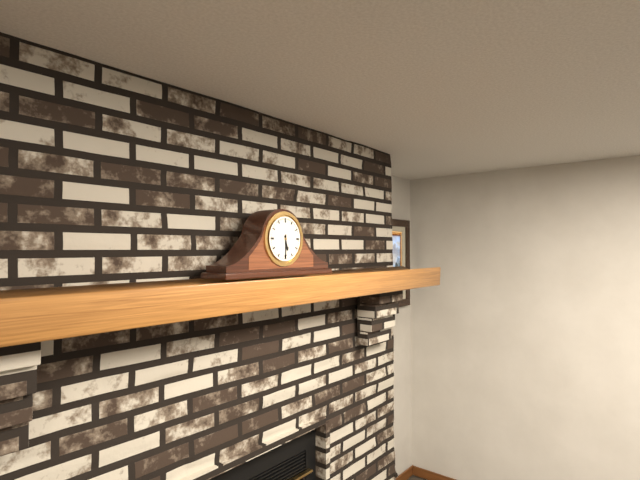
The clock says **5:30**
